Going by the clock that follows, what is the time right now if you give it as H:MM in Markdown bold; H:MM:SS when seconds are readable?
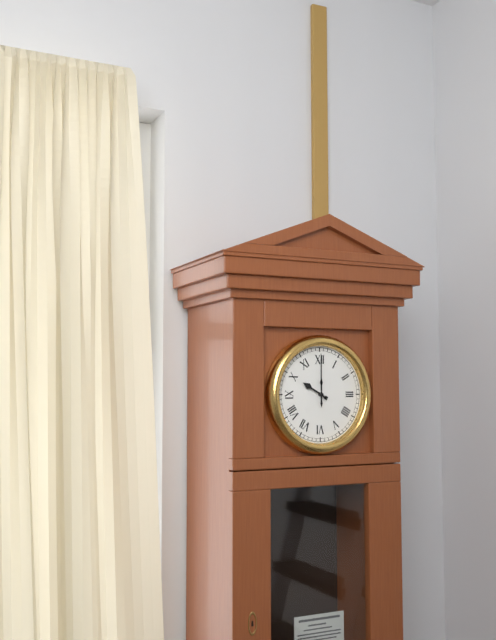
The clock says **10:00**
